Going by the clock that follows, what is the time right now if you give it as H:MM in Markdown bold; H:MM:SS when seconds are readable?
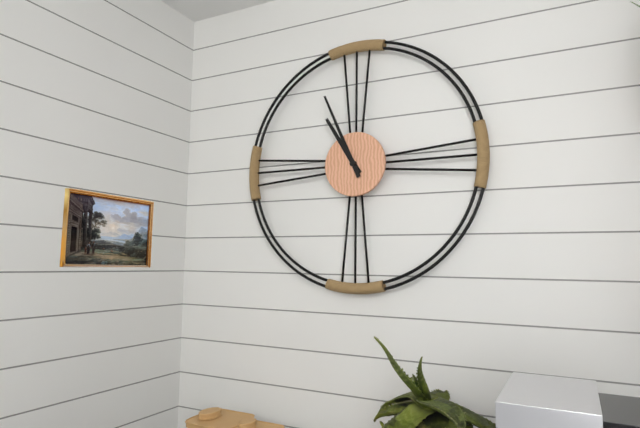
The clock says **10:56**
